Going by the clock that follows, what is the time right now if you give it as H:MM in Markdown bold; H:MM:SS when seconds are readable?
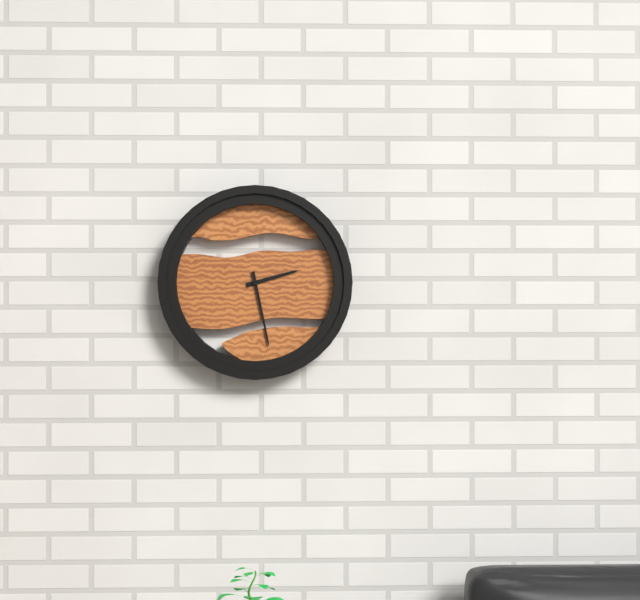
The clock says **2:28**
